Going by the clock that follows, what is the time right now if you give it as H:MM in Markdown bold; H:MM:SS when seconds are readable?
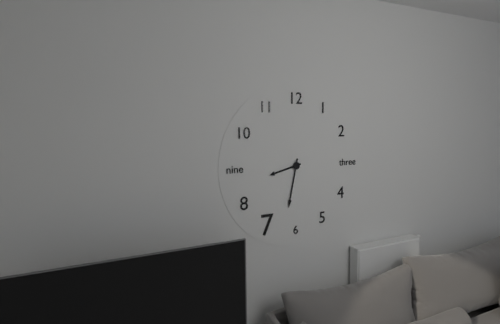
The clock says **8:32**
